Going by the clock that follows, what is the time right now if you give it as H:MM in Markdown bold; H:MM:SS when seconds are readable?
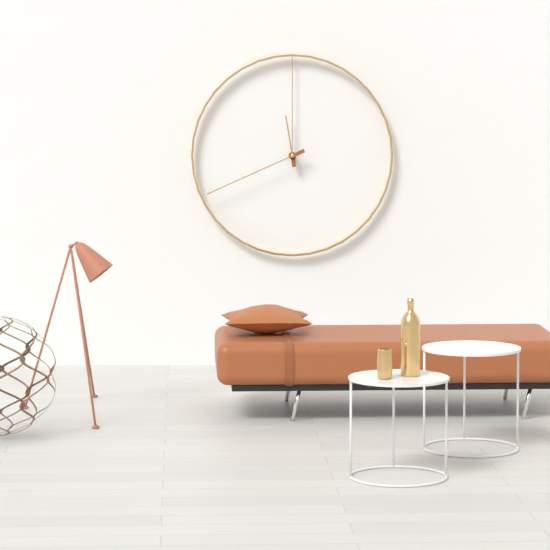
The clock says **11:41**
